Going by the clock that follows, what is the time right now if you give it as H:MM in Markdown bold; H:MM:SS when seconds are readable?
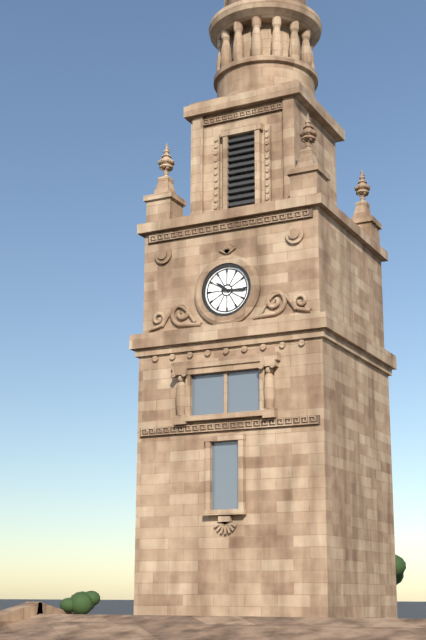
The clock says **10:16**
